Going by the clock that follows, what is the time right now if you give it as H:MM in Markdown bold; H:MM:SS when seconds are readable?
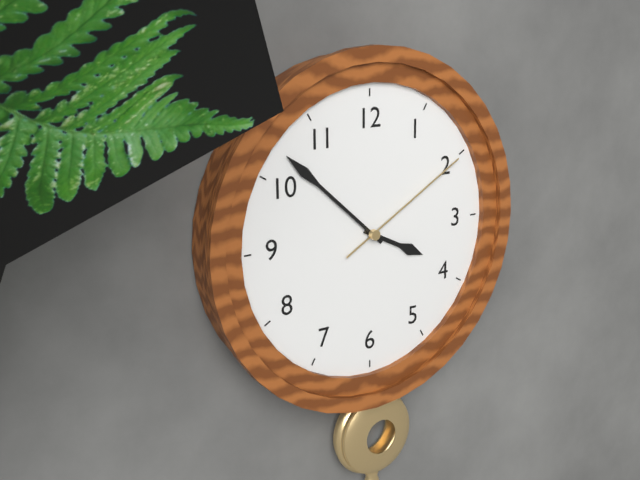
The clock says **3:52:10**
